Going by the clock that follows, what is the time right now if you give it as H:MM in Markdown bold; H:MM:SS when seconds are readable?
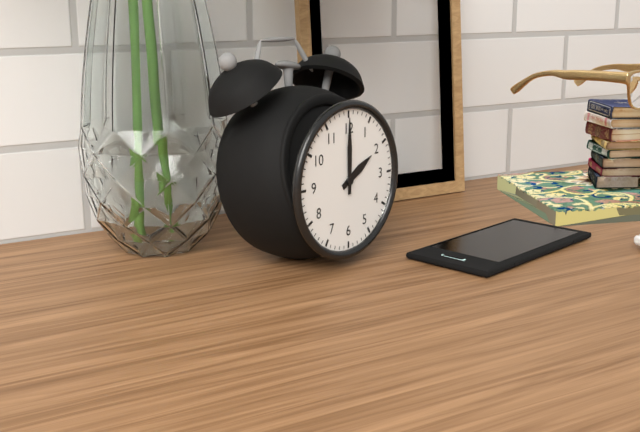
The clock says **2:00**
